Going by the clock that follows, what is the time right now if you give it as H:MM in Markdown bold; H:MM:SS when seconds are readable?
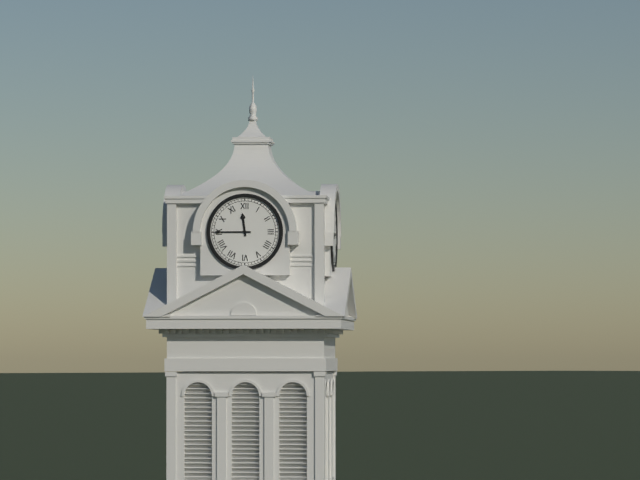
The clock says **11:45**
